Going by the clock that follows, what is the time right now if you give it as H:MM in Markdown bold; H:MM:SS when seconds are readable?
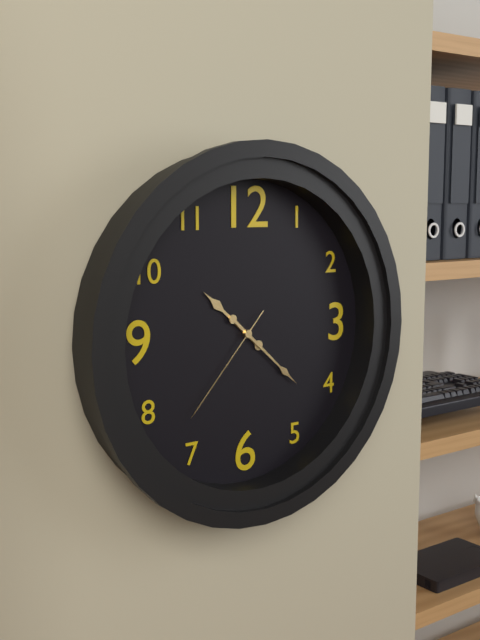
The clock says **10:22:37**
